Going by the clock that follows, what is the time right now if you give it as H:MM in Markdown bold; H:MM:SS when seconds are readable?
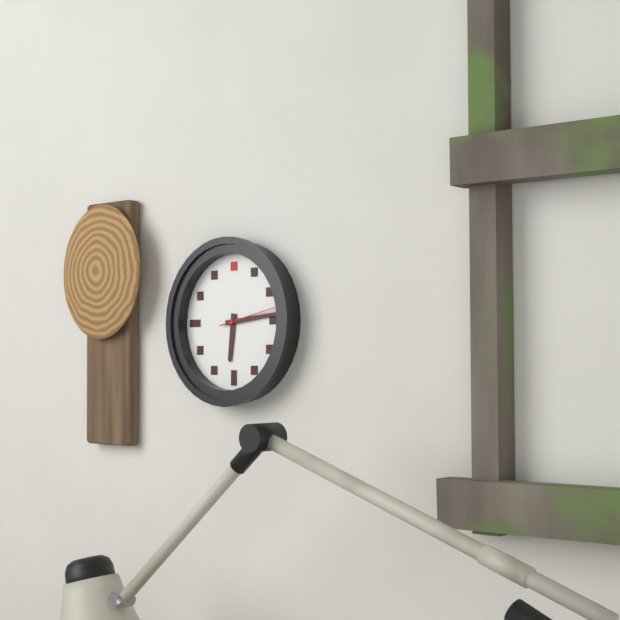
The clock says **6:14:13**
